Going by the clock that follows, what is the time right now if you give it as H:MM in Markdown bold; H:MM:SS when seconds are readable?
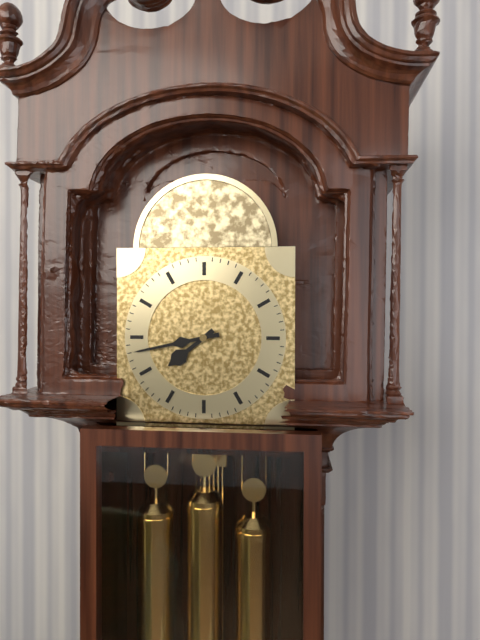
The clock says **7:43**
